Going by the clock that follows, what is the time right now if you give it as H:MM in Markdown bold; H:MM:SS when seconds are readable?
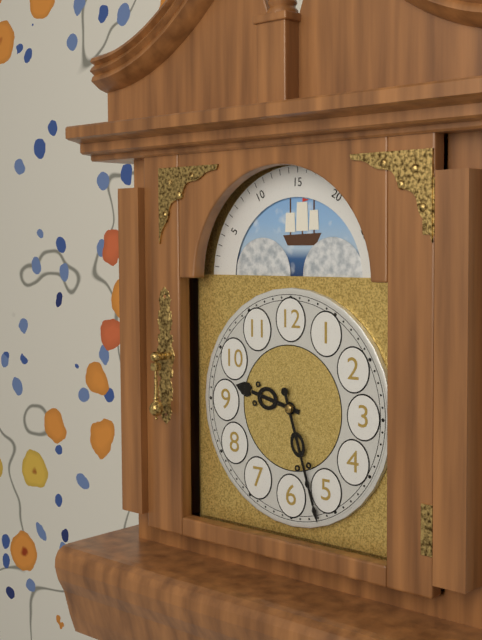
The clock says **9:27**
